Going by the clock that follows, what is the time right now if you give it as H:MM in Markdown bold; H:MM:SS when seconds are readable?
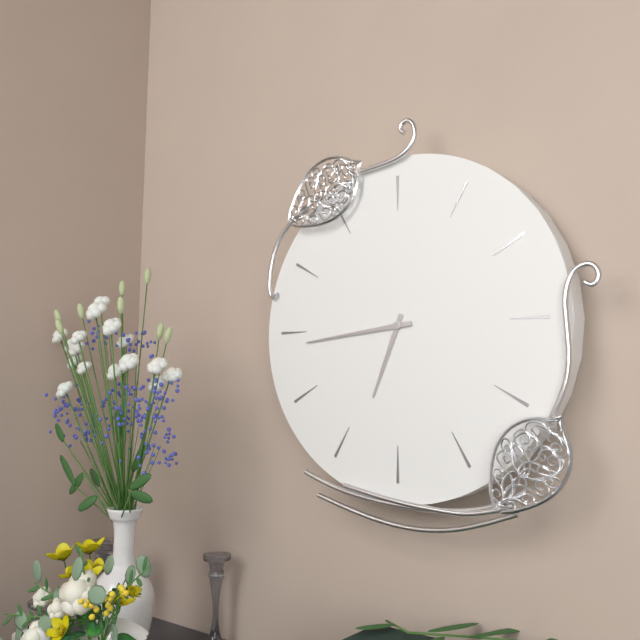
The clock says **6:44**
